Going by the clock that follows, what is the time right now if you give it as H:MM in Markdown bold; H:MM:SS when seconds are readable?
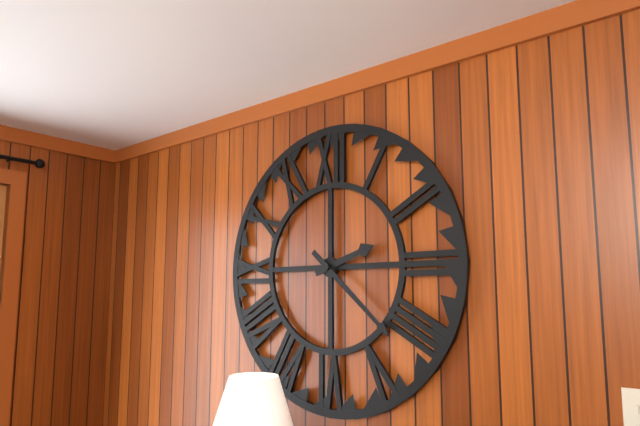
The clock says **2:22**
